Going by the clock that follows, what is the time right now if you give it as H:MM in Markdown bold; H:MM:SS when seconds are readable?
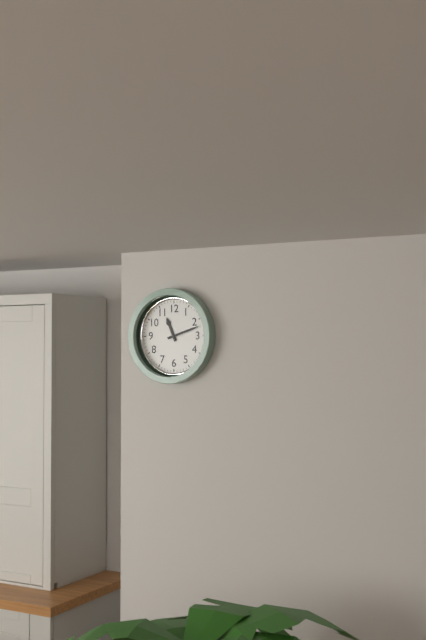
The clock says **11:12**
